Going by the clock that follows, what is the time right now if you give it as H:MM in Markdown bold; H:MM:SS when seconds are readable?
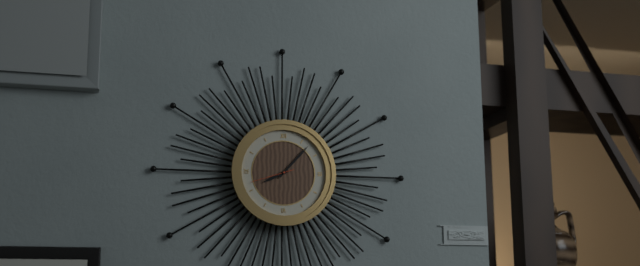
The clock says **8:07**
